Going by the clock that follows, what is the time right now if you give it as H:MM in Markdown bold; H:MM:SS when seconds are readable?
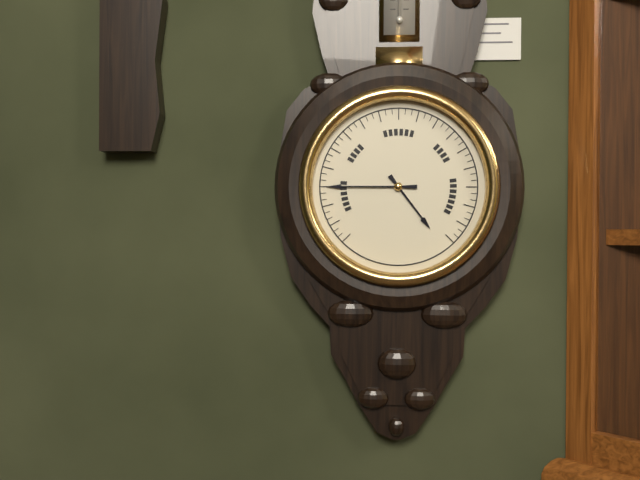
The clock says **4:45**
